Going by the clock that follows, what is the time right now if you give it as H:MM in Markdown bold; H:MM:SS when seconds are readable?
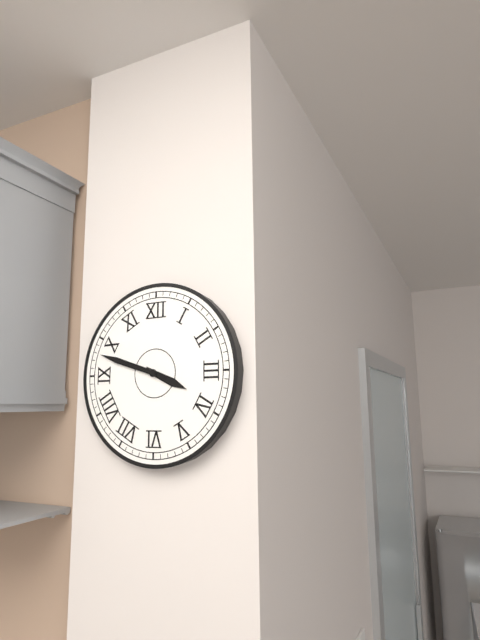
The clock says **3:48**
